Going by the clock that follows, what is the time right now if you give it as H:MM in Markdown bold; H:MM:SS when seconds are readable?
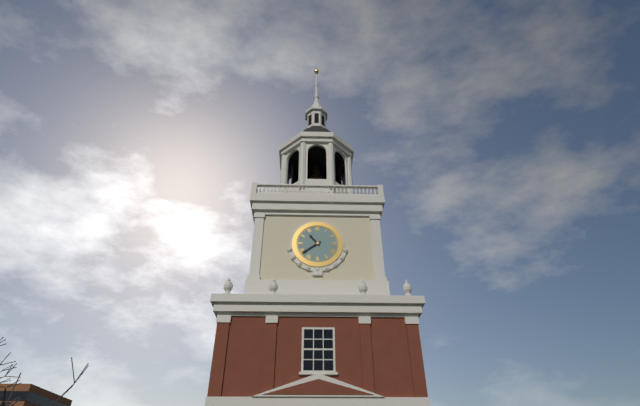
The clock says **10:39**
